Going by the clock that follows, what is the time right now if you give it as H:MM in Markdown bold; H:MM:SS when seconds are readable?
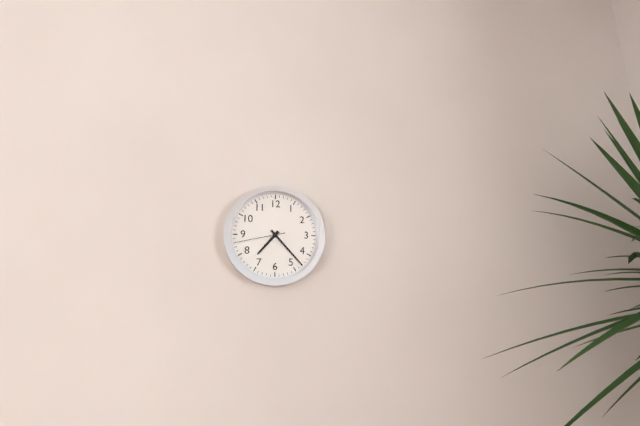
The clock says **7:23:43**
